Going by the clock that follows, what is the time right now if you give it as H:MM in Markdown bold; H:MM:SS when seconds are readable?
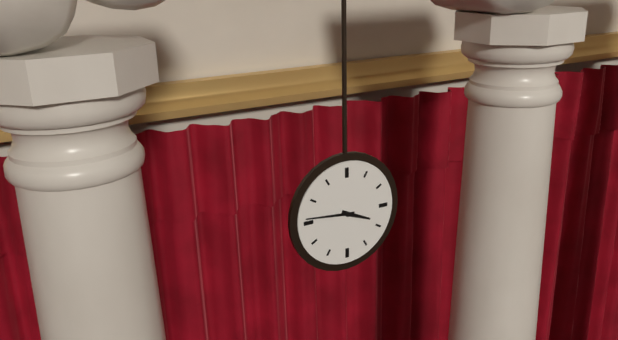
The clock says **3:46**
